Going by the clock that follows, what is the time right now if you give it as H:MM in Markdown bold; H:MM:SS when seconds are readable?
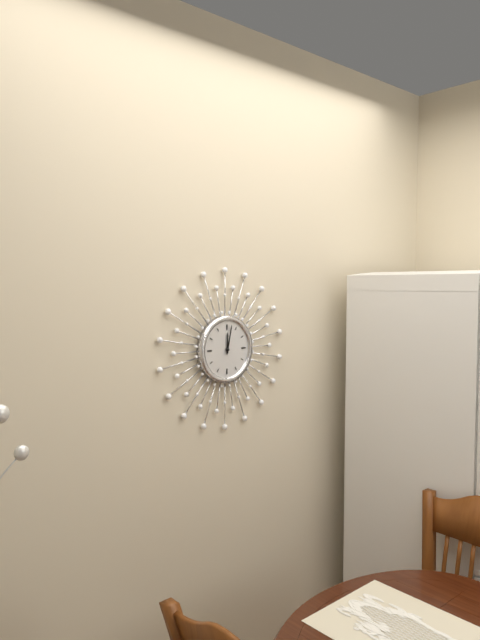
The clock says **12:02**
